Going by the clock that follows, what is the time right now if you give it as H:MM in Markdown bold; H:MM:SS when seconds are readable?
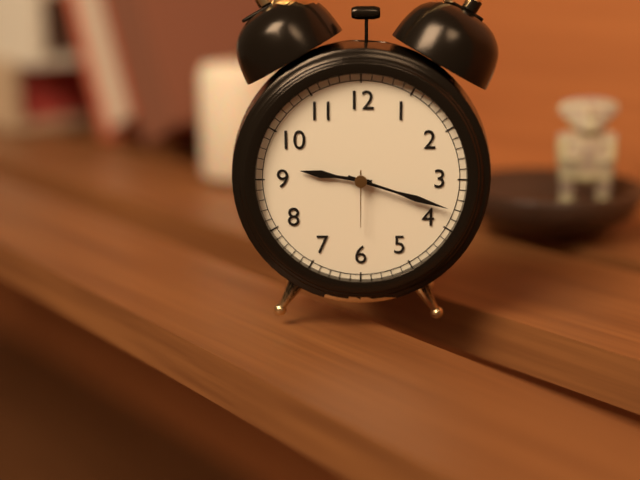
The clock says **9:18:30**
